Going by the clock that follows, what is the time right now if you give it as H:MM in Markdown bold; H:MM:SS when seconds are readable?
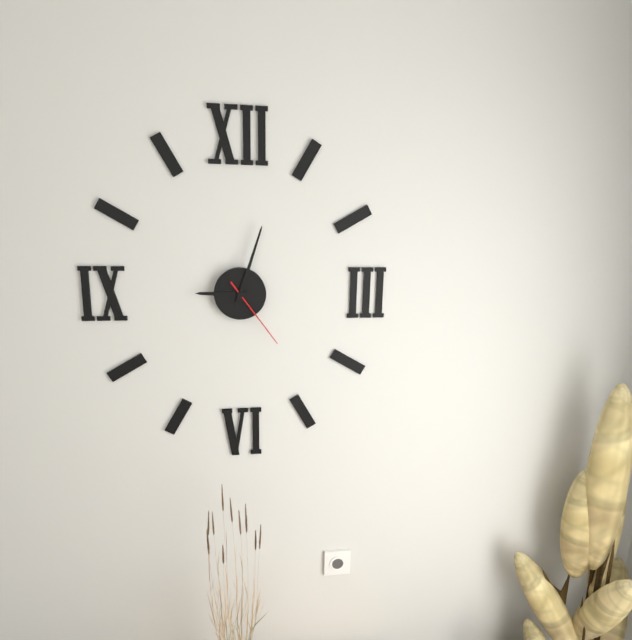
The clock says **9:03:24**
